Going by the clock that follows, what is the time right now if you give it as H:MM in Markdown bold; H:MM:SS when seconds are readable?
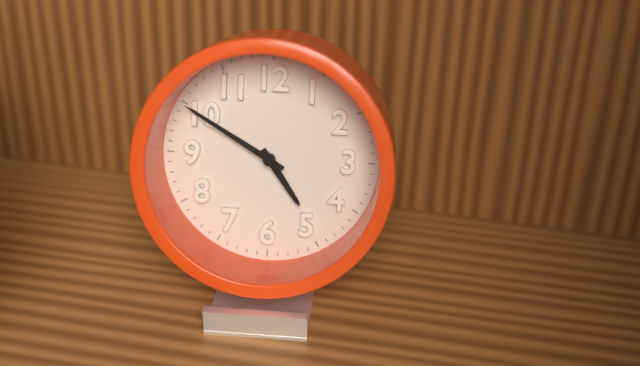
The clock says **4:50**
